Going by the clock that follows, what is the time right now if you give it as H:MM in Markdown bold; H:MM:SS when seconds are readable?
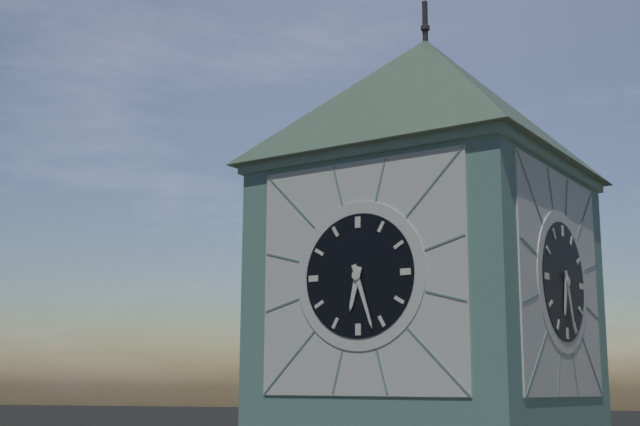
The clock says **6:27**
